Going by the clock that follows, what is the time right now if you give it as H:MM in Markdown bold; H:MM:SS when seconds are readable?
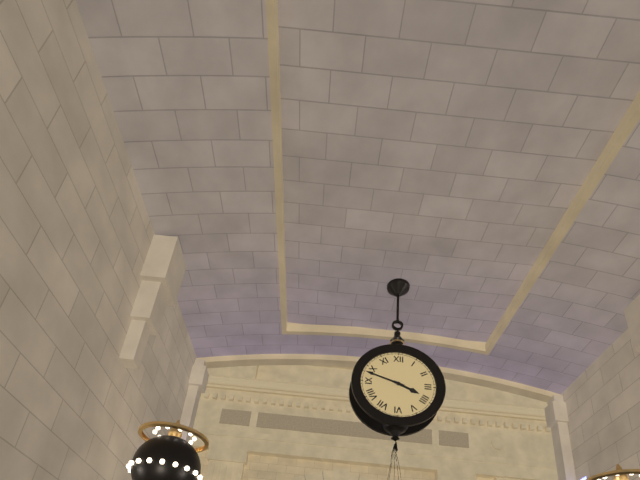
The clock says **3:48**
